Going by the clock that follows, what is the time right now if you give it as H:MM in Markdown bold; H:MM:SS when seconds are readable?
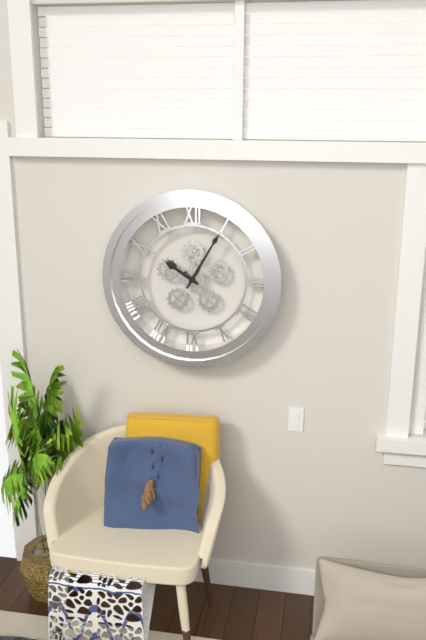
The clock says **10:05**
